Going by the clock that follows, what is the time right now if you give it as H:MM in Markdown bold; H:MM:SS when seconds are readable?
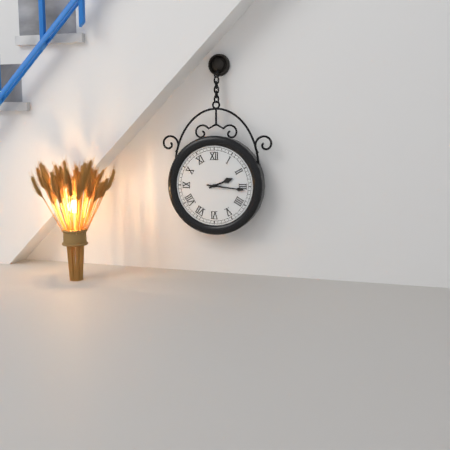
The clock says **2:16**
